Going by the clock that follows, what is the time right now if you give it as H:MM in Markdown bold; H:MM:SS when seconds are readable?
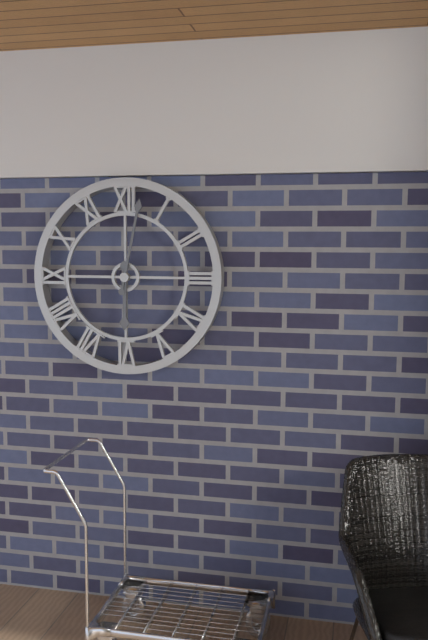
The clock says **6:02**
